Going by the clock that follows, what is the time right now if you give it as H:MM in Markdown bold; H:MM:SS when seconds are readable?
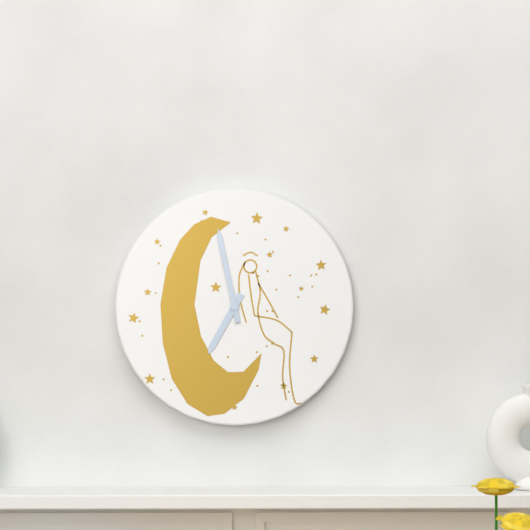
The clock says **6:58**
